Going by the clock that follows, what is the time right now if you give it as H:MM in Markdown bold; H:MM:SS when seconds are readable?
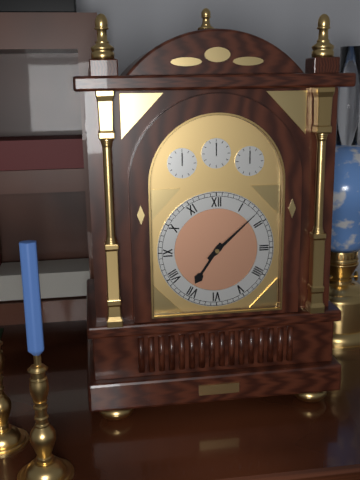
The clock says **7:08**
